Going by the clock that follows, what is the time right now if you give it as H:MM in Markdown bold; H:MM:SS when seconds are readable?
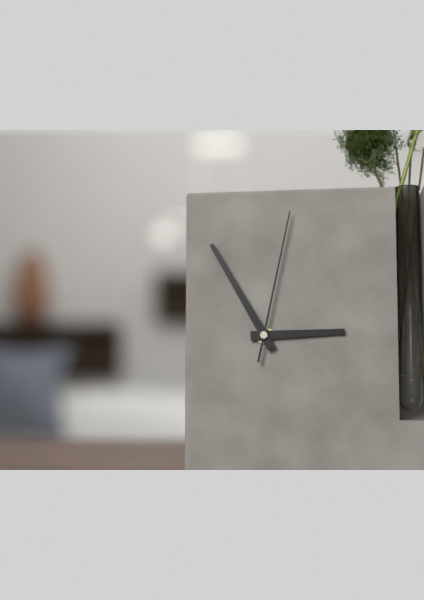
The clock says **2:55:02**
